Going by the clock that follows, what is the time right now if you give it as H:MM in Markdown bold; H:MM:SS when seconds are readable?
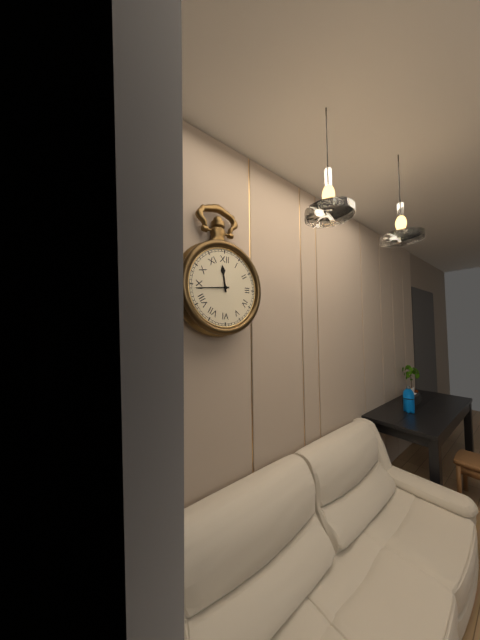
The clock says **11:44**
